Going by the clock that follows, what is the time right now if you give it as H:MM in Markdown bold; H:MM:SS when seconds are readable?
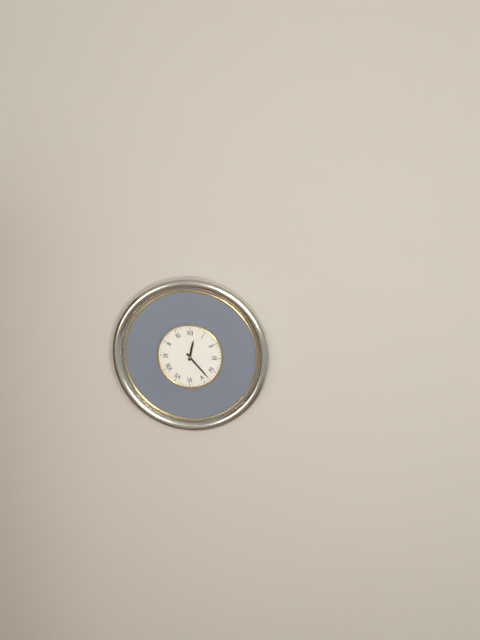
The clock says **12:23**
